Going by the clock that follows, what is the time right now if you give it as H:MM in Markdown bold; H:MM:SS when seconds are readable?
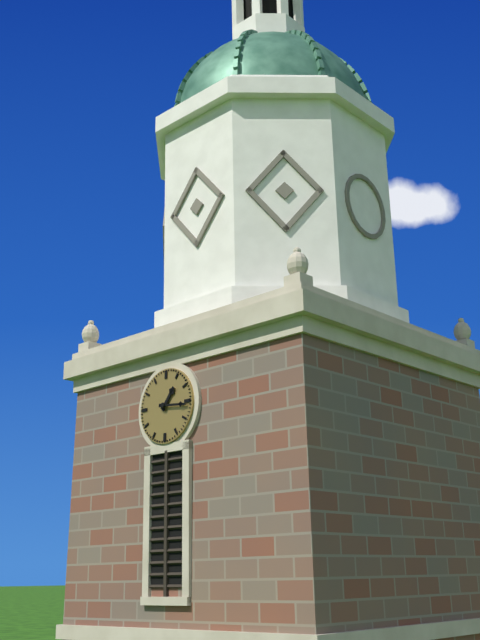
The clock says **1:16**
